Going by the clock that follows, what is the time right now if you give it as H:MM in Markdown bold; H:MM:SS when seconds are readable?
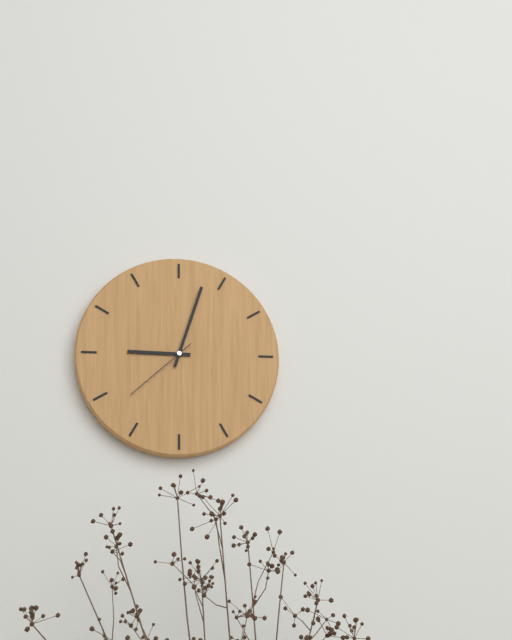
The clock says **9:03:38**
